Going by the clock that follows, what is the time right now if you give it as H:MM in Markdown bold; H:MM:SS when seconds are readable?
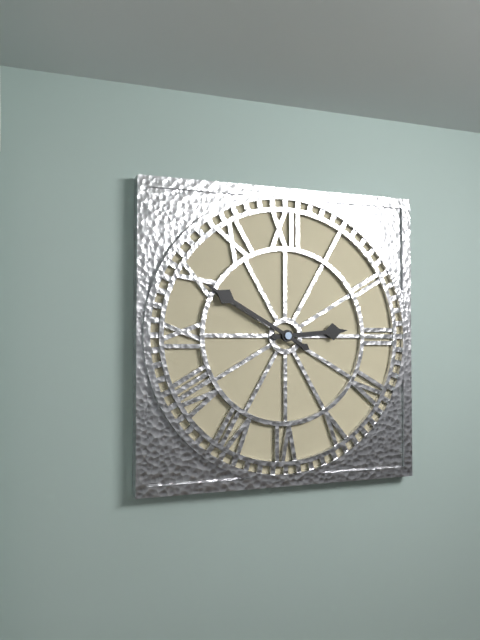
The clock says **2:50**
